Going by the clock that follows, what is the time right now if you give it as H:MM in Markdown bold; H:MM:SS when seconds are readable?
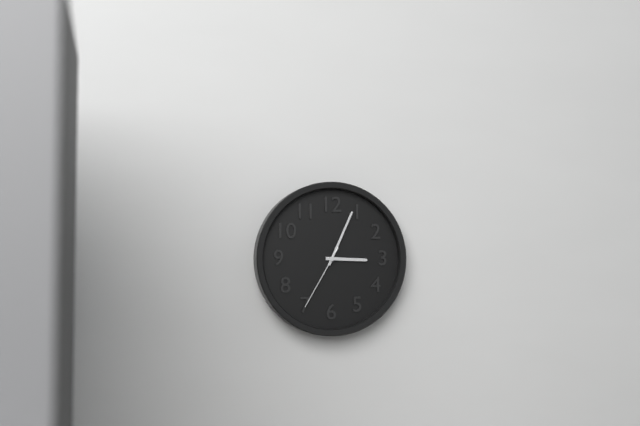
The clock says **3:04:35**
